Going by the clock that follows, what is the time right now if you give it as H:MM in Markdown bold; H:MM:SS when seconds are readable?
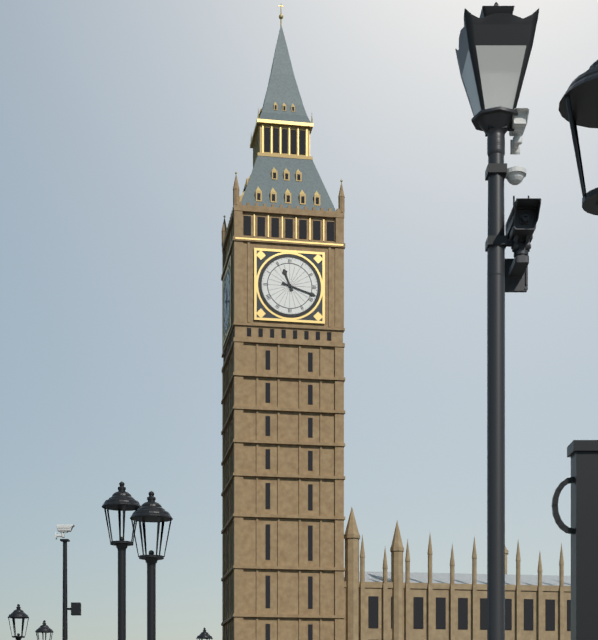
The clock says **11:18**
